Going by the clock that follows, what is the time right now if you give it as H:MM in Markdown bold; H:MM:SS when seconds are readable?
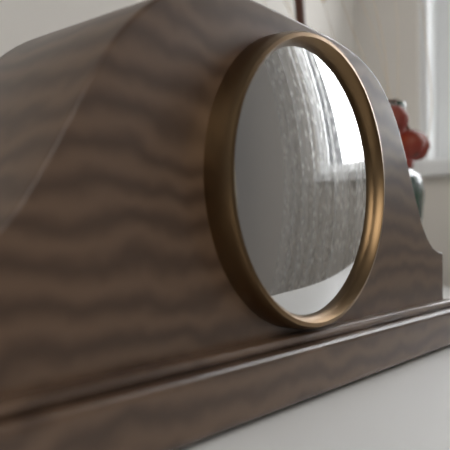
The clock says **9:43**
